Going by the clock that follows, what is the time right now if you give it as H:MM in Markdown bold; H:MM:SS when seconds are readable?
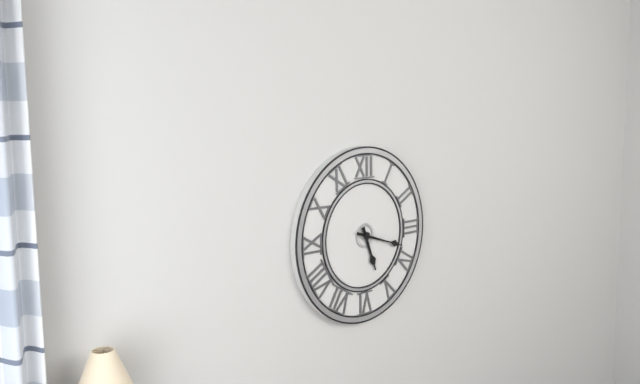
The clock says **5:18**
